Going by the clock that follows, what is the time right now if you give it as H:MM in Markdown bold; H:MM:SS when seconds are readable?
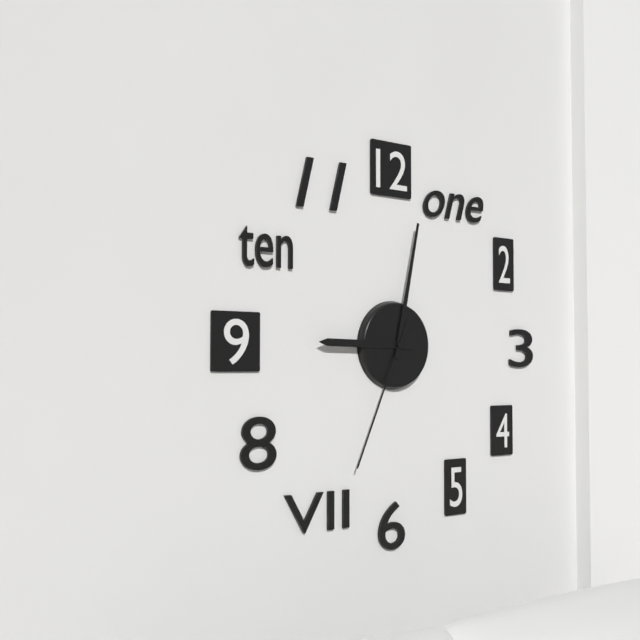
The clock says **9:02:34**
